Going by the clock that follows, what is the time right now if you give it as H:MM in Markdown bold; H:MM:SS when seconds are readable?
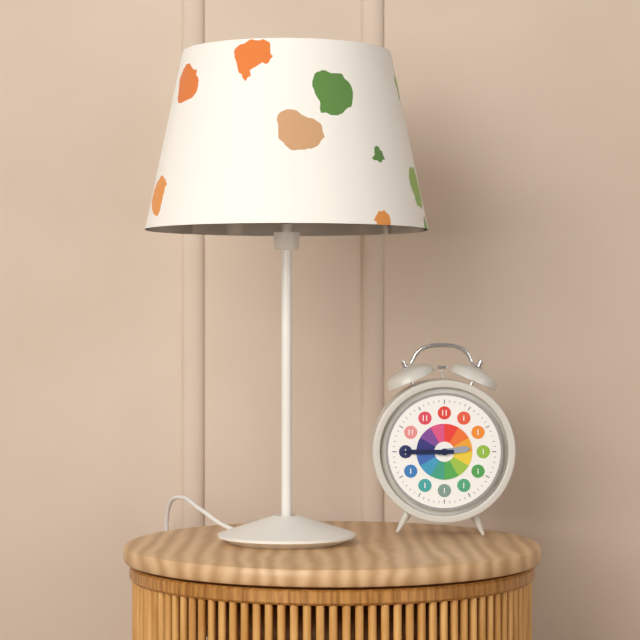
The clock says **2:45**
